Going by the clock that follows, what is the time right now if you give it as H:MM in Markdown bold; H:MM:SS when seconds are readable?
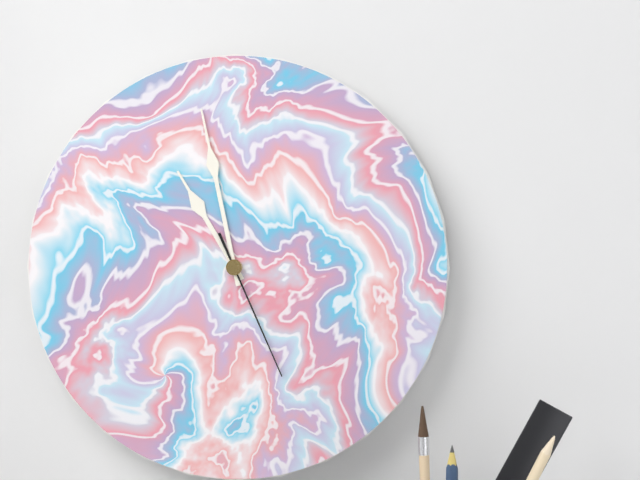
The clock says **10:58:26**
